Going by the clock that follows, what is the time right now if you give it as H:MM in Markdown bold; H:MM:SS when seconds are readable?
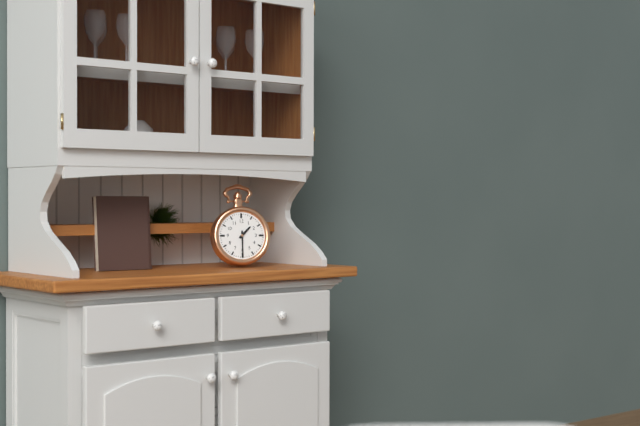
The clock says **1:30**
